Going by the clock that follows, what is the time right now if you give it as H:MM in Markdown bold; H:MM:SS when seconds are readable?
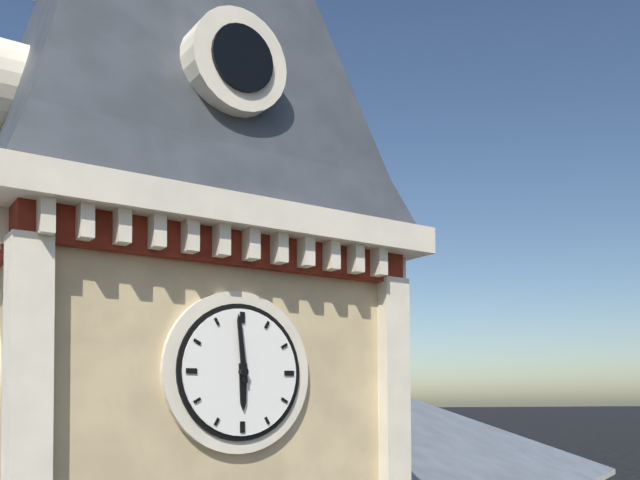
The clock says **5:59**
